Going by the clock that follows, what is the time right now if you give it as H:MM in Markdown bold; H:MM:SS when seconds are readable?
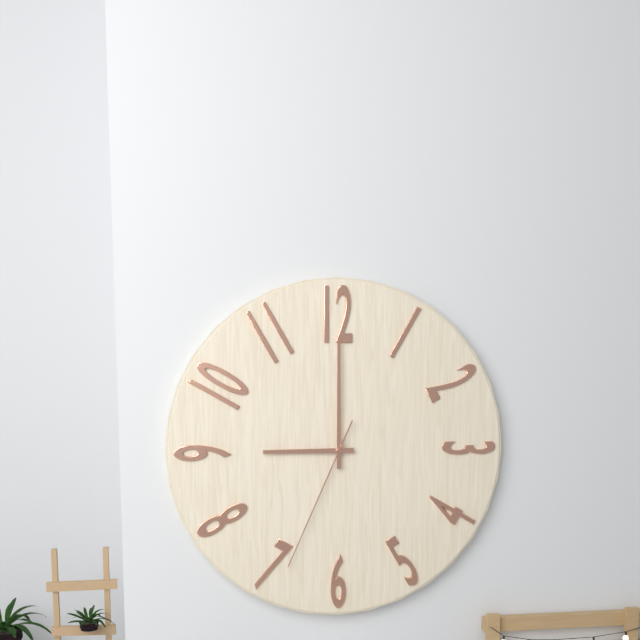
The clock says **9:00:34**
